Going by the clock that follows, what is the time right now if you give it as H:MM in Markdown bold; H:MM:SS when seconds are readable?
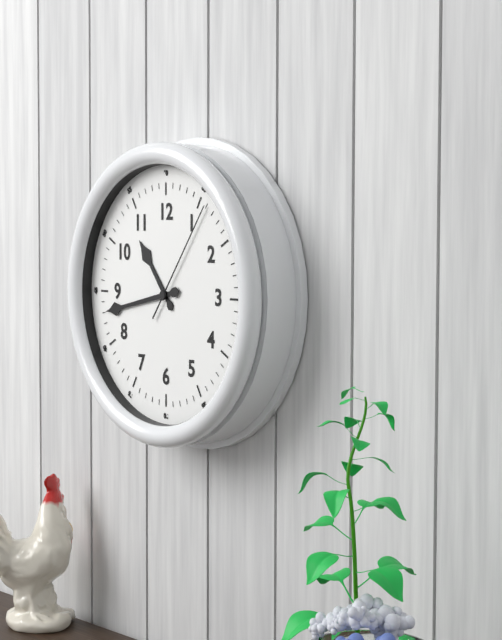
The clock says **10:43:06**
